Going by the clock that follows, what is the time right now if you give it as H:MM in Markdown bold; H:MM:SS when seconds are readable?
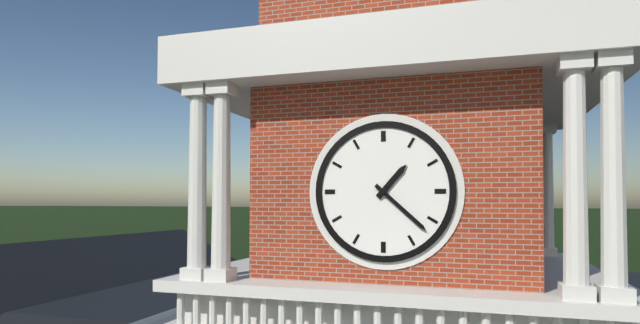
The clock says **1:22**
